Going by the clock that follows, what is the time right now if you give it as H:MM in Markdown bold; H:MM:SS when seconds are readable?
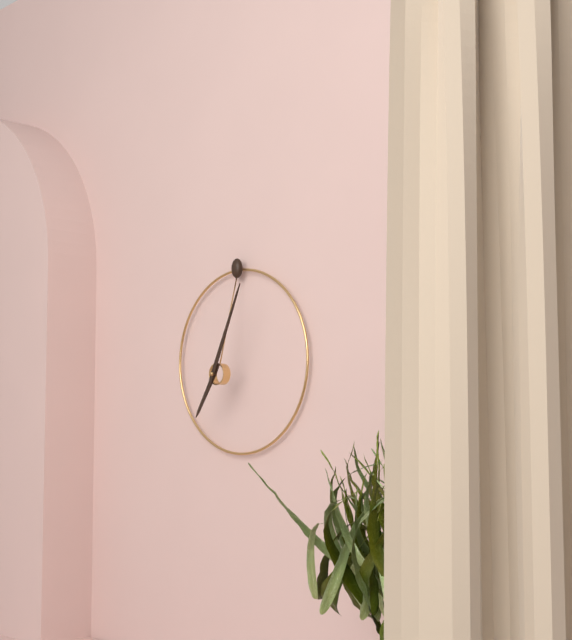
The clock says **7:04**
